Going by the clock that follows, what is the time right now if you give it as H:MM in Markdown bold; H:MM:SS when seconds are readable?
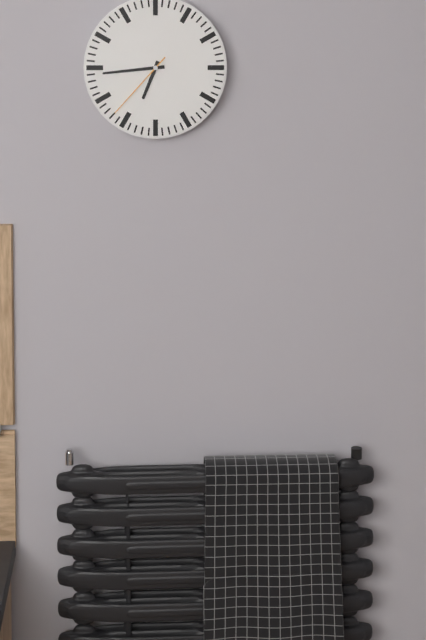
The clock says **6:44:37**
